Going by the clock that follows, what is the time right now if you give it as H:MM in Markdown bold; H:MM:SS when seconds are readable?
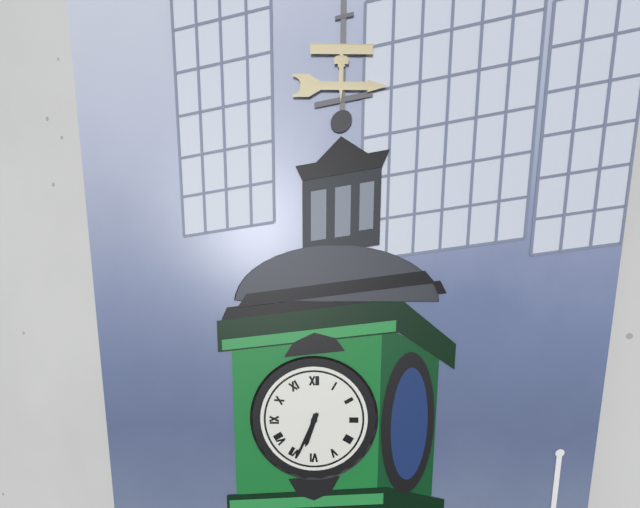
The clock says **6:34**
